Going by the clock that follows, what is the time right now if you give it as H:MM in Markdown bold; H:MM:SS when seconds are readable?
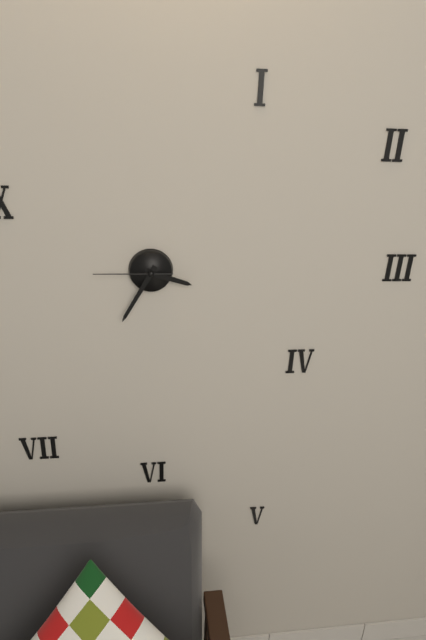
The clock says **3:35:45**
